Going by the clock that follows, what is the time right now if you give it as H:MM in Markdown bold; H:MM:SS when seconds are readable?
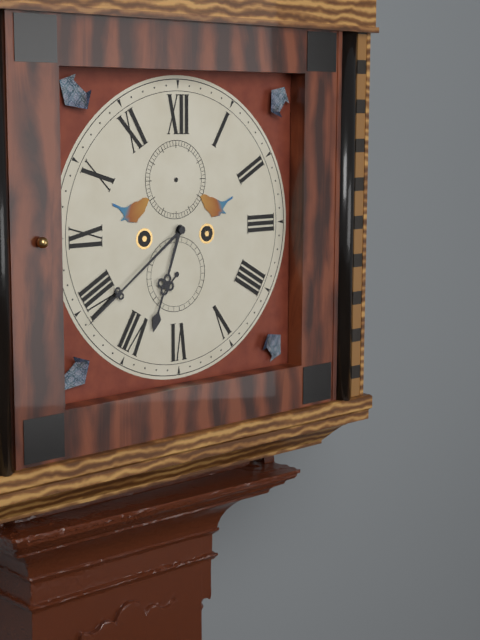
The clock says **6:39**
